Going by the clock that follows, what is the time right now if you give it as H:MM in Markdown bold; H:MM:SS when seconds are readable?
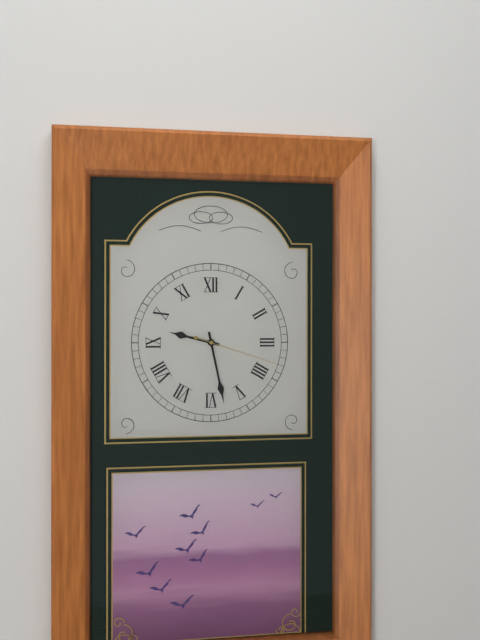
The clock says **9:28:18**
